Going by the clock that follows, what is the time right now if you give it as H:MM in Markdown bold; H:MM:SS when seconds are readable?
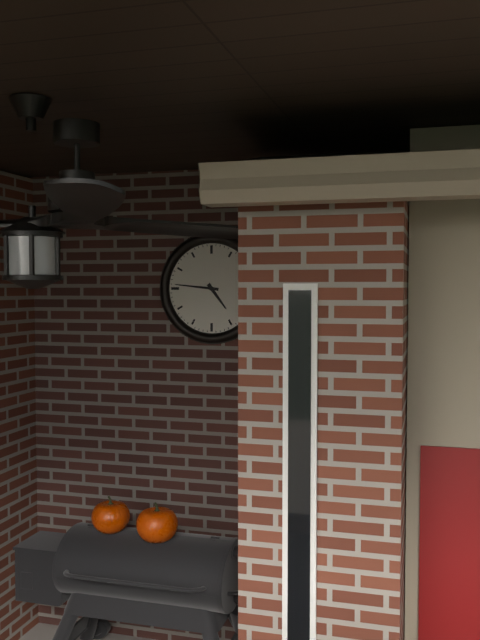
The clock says **4:46**
